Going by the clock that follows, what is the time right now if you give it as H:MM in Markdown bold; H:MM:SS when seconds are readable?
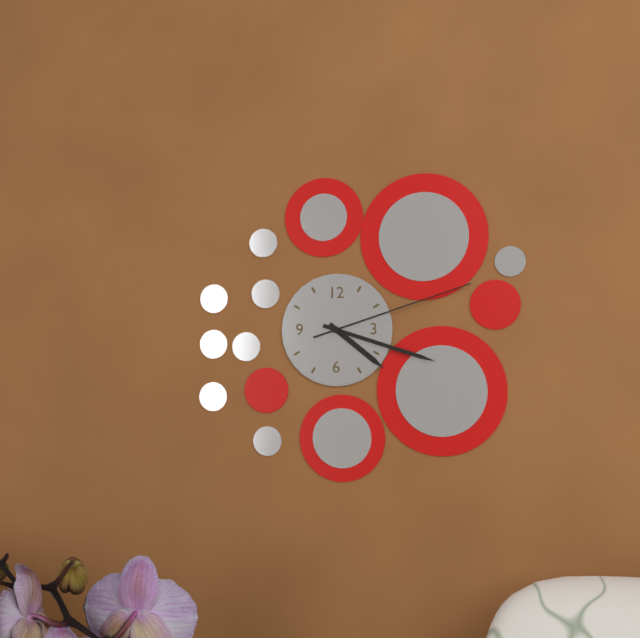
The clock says **4:18:12**
